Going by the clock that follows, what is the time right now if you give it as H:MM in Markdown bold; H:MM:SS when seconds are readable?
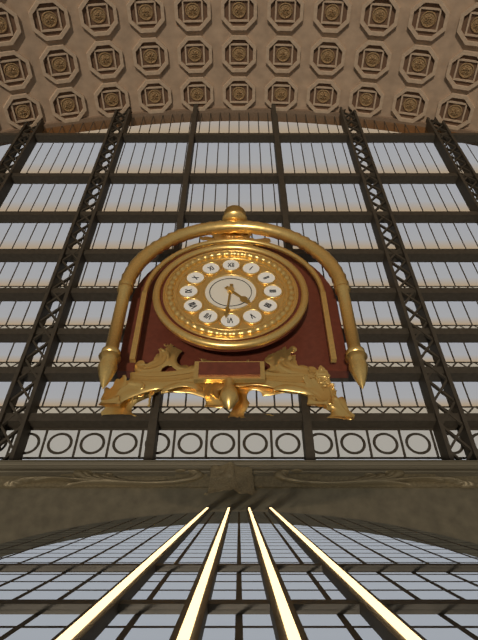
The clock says **4:31**
